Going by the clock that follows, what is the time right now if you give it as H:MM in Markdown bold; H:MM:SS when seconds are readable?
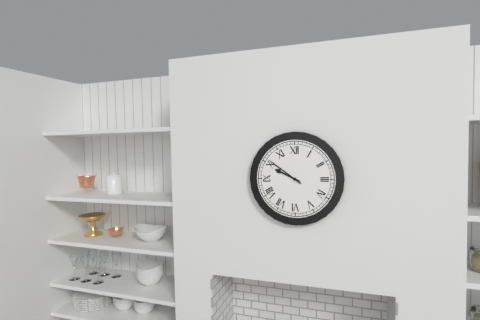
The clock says **9:51**
